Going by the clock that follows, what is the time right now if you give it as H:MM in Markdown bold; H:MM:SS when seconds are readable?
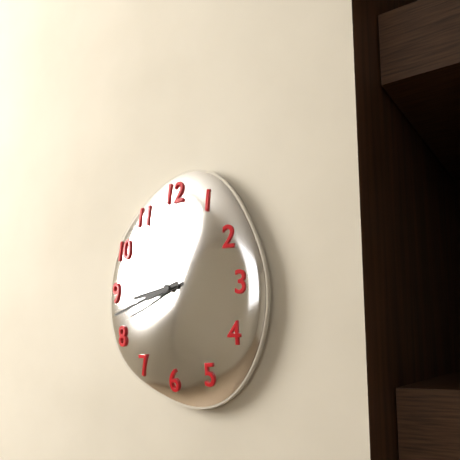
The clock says **8:42**
